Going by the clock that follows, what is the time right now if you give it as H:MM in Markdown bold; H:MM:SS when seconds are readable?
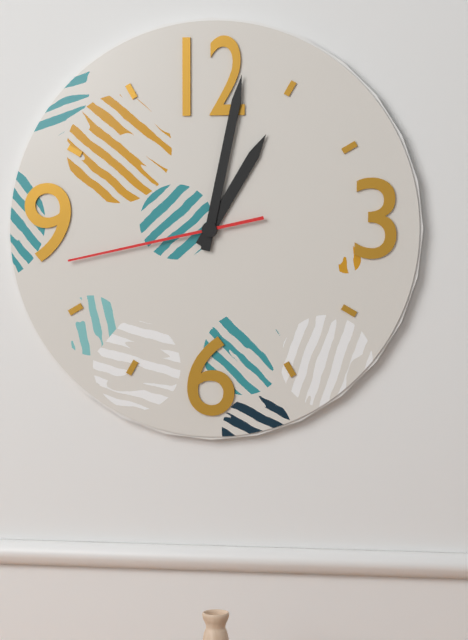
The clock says **1:02:43**
